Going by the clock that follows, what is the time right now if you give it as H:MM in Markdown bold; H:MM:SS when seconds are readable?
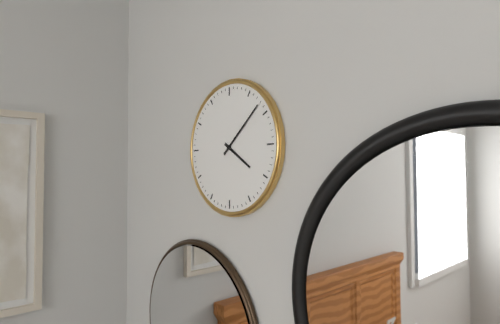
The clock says **4:08**
